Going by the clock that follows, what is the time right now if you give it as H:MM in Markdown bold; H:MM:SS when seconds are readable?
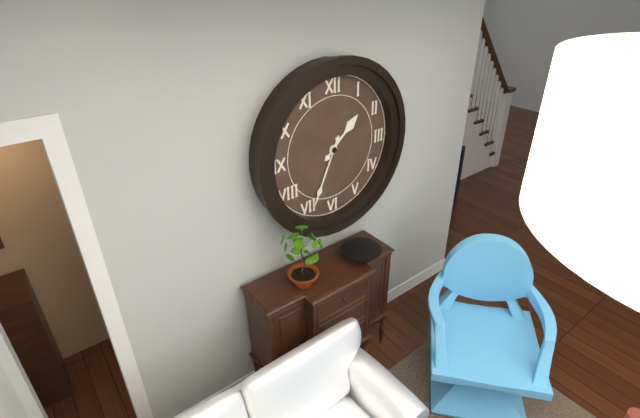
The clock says **1:34**
